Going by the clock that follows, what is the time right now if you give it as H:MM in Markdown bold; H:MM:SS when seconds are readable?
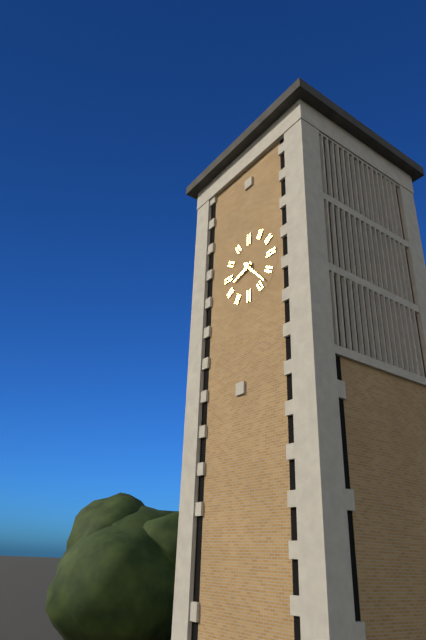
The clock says **8:23**
